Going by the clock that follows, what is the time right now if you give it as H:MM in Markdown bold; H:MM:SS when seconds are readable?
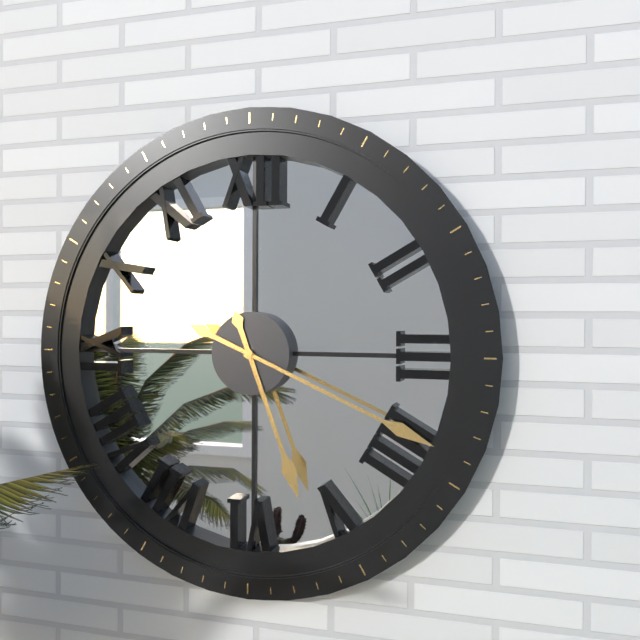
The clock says **5:19**
